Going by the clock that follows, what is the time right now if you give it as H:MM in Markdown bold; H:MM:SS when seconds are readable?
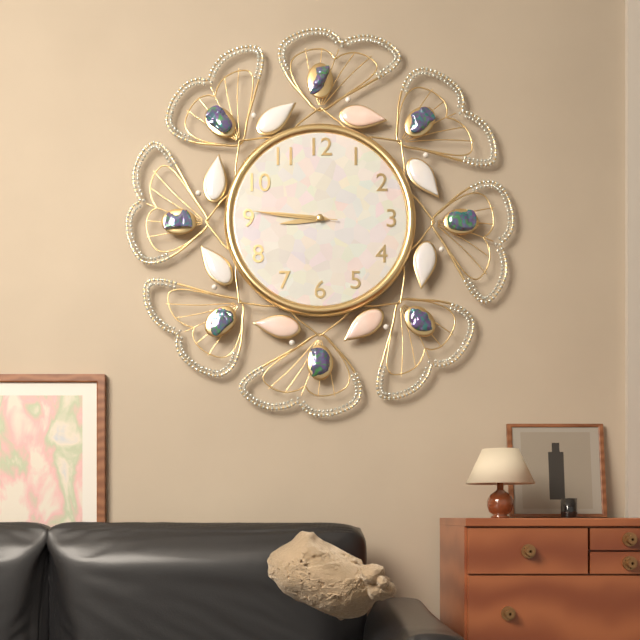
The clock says **8:46:46**
